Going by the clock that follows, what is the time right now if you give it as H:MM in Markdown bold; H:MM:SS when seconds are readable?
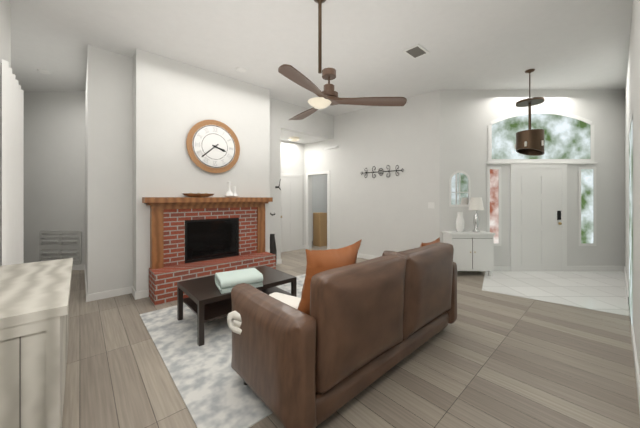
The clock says **3:38**
